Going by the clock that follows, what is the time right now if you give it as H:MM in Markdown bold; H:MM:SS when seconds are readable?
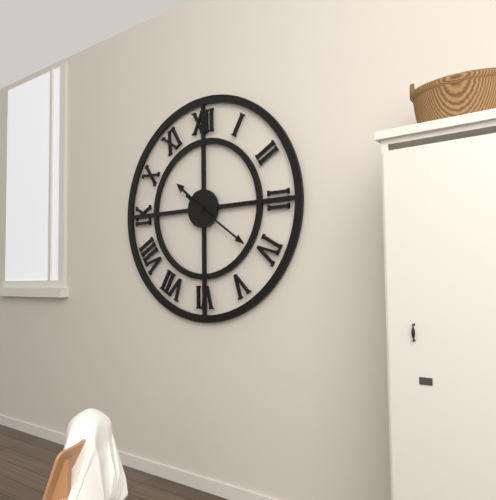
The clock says **10:21**
